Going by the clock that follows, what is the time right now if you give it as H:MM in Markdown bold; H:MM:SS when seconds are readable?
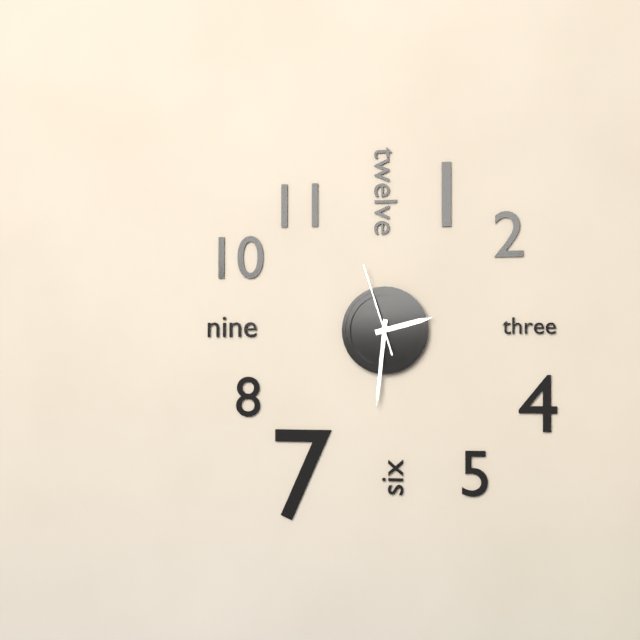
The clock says **2:31:57**
